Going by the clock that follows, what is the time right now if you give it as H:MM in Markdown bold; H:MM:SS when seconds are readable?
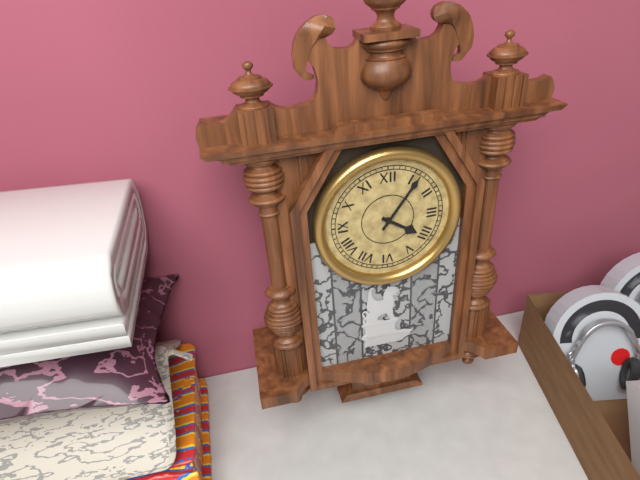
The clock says **4:06**
